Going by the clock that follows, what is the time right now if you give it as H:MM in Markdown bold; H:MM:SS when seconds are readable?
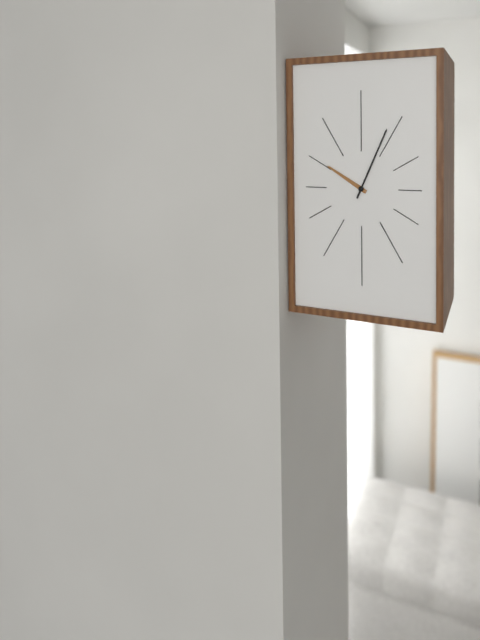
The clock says **10:04**
